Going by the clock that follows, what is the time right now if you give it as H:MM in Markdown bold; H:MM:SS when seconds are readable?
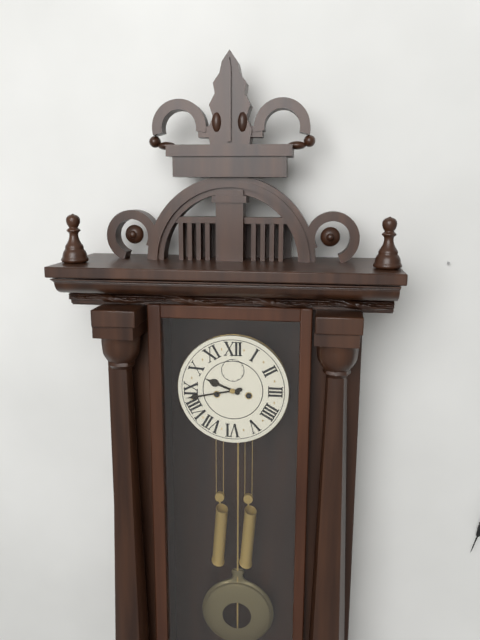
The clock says **9:43**
